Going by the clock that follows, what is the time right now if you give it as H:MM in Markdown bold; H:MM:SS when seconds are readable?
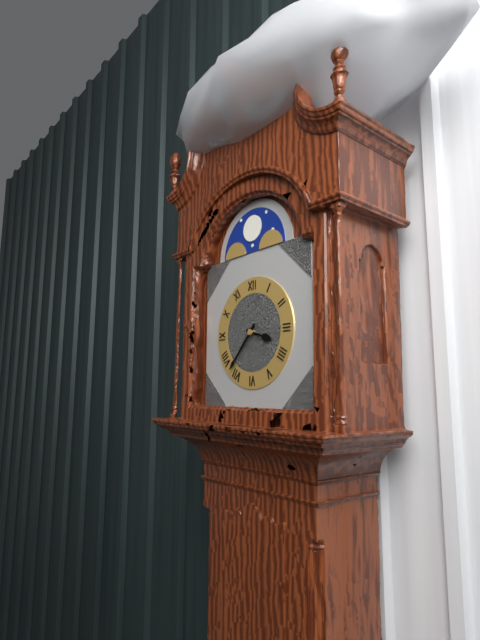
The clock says **3:37**
